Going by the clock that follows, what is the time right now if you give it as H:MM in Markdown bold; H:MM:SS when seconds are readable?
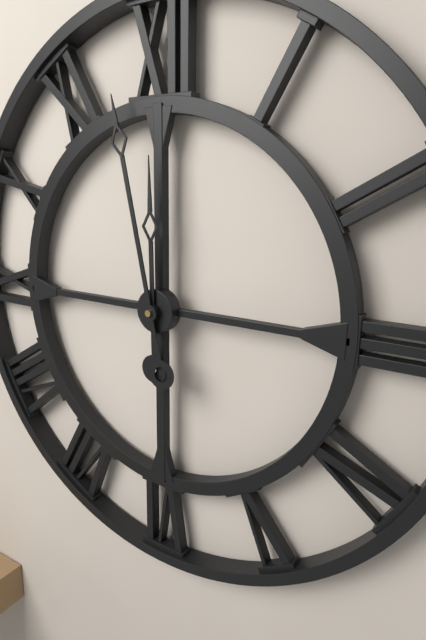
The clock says **11:58**
